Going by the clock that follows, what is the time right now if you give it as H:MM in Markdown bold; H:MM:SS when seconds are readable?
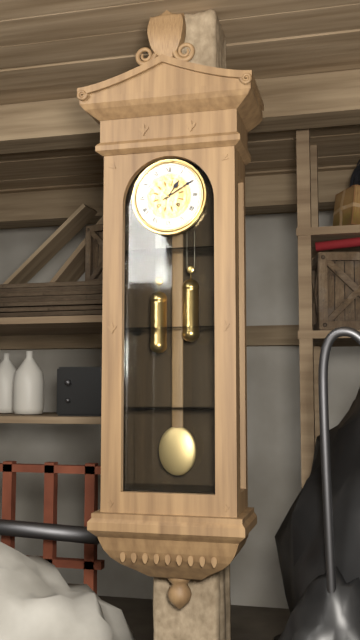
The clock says **1:10**
